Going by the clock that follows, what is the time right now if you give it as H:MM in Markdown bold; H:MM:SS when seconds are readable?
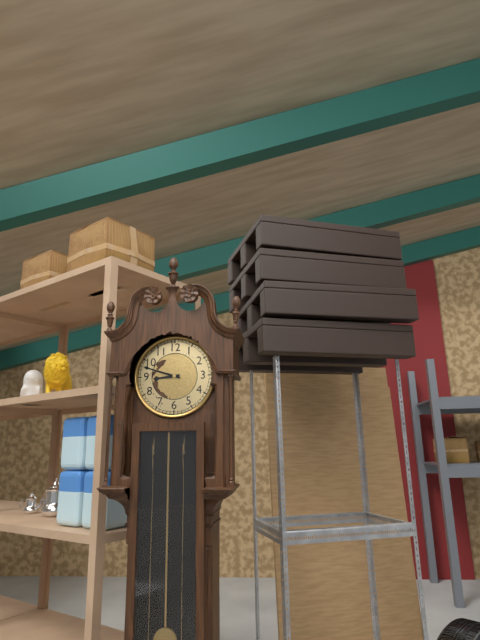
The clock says **8:48**
